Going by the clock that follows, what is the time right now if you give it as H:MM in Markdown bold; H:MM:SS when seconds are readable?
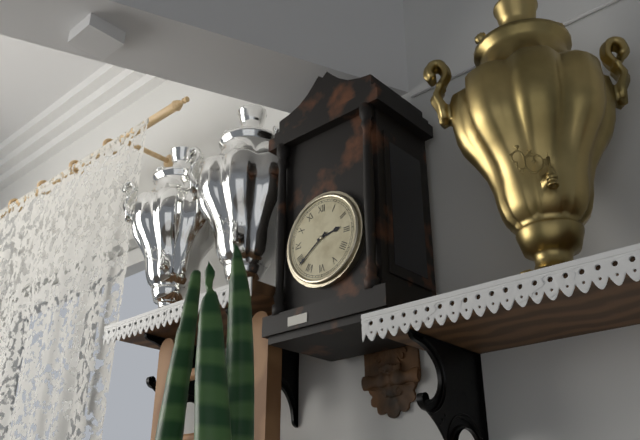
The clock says **2:39**
